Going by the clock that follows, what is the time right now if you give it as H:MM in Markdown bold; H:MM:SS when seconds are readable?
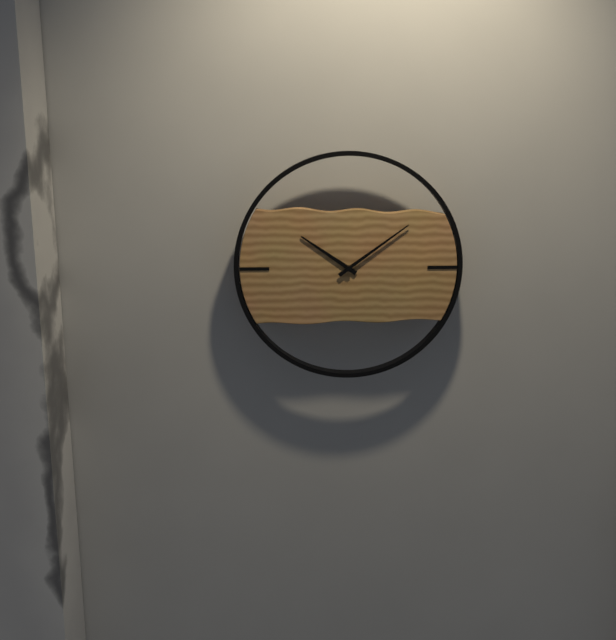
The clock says **10:09**
